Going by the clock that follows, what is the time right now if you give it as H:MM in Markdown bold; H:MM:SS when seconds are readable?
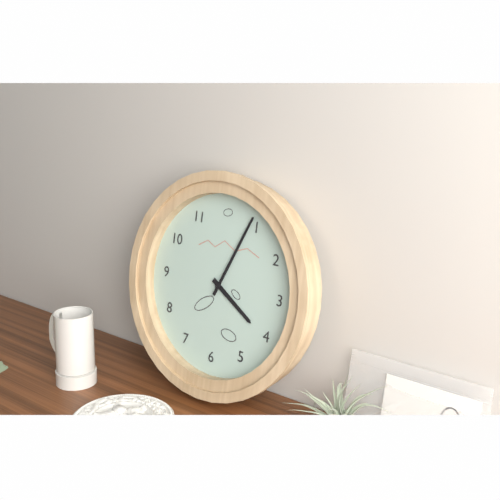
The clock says **4:04**
